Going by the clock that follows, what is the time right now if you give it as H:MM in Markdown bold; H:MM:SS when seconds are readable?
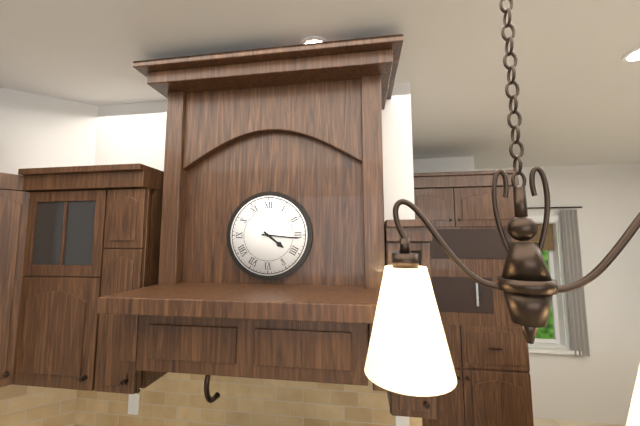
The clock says **4:16**
